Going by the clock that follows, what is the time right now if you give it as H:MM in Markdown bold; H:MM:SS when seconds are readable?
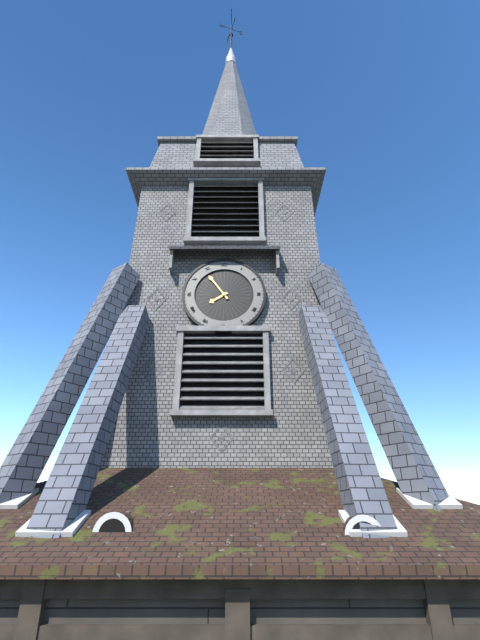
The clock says **7:54**
